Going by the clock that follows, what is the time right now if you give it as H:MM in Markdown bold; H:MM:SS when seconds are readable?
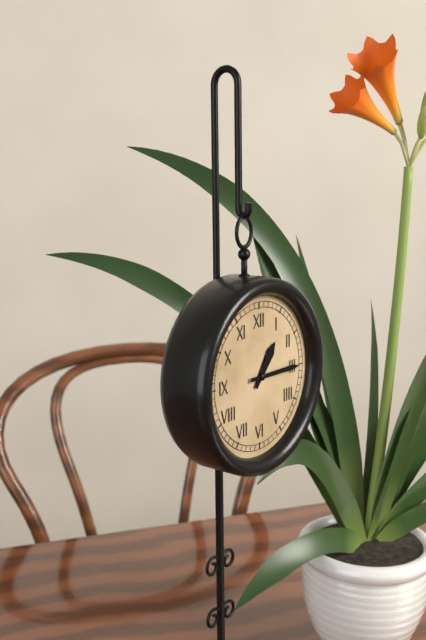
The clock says **1:15**
